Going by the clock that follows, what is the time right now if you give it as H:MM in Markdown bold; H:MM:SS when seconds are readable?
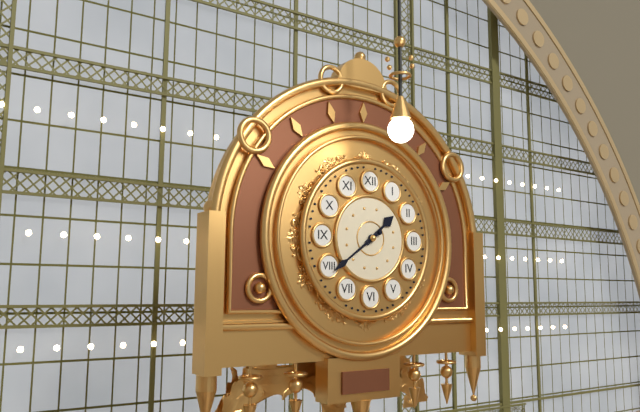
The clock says **1:39**
